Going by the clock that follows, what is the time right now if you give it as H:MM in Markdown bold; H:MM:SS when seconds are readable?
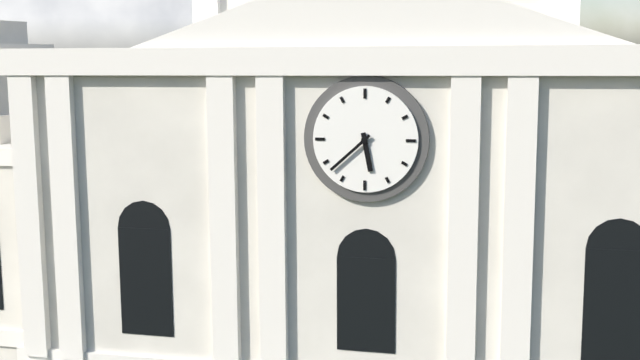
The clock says **5:38**
